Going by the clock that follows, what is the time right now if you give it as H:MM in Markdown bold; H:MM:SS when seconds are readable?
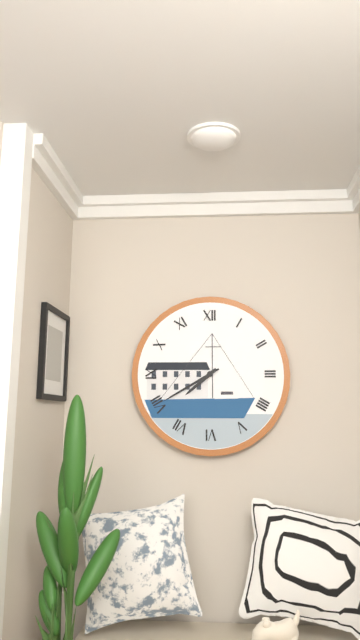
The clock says **7:40**
